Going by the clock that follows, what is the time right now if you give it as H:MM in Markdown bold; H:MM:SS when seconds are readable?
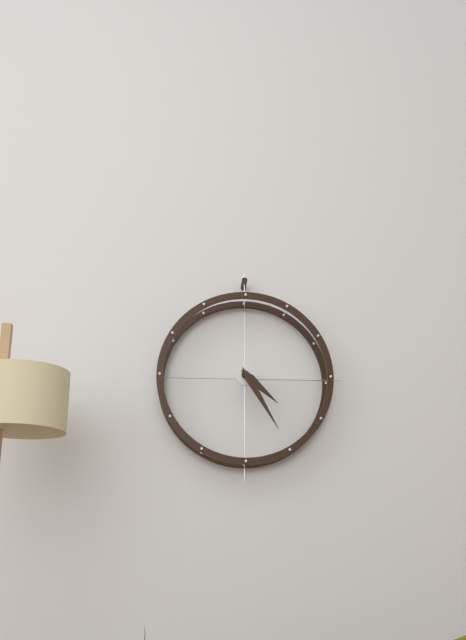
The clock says **4:25**
